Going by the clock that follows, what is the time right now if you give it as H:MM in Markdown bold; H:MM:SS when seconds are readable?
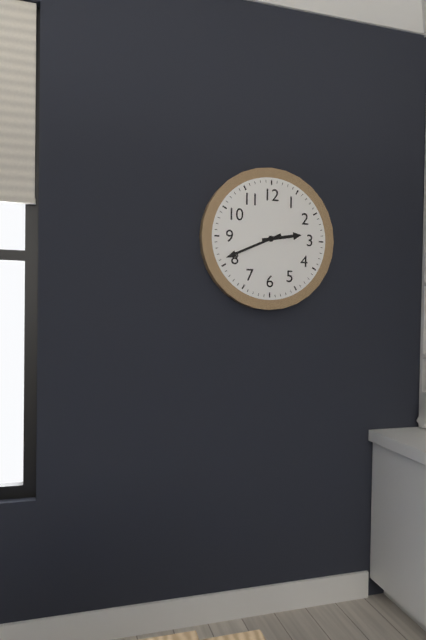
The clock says **2:41**
